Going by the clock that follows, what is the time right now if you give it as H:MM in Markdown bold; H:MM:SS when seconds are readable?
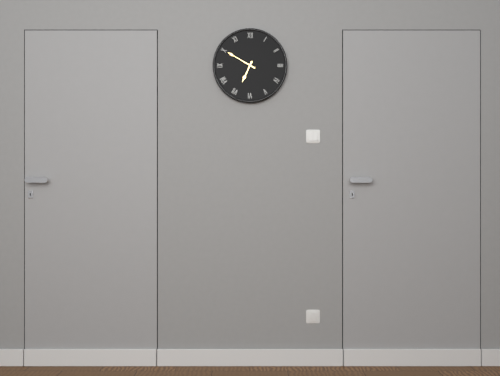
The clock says **6:50**
